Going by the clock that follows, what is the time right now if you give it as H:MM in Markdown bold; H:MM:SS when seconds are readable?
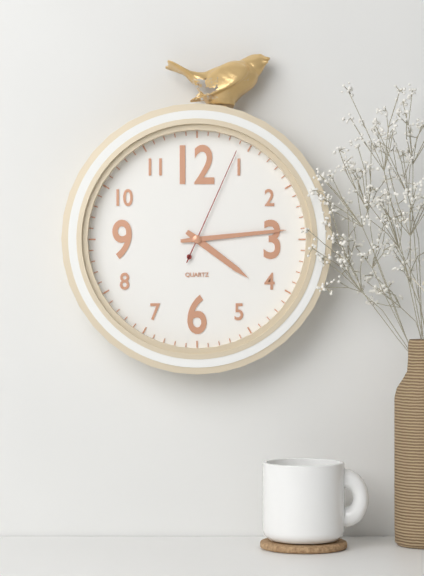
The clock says **4:14:04**
